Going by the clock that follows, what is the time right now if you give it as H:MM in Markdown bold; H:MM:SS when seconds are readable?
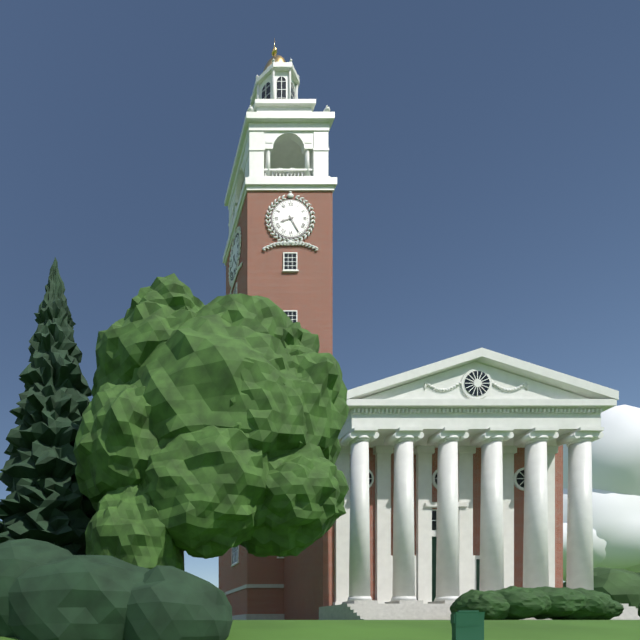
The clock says **8:25**
